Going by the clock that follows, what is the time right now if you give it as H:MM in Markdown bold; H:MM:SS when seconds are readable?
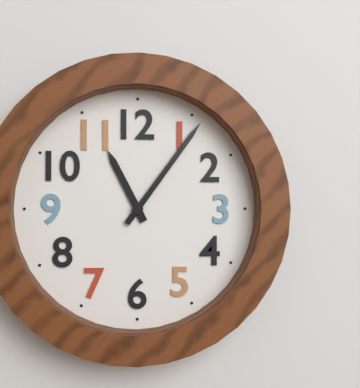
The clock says **11:06**
